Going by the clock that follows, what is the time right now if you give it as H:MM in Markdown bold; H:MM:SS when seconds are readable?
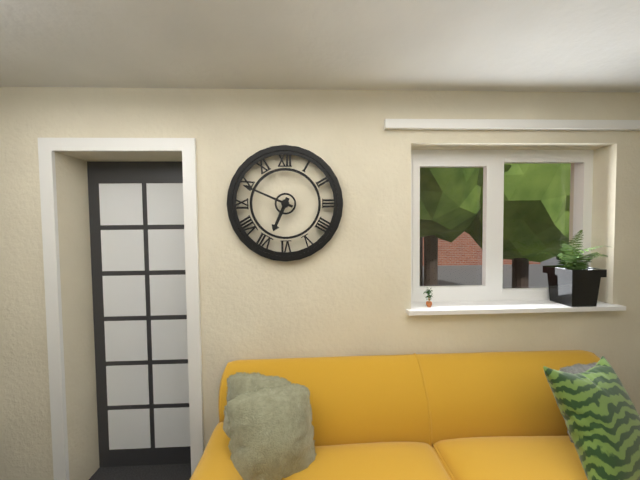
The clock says **6:49**
